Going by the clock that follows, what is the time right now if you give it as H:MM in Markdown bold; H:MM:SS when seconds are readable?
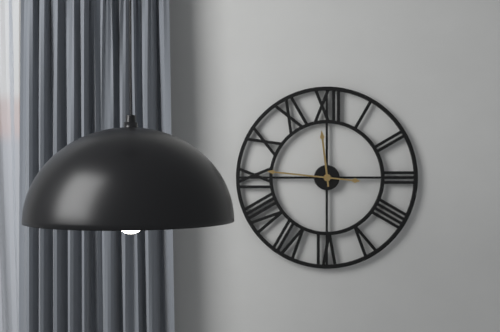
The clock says **11:46**
